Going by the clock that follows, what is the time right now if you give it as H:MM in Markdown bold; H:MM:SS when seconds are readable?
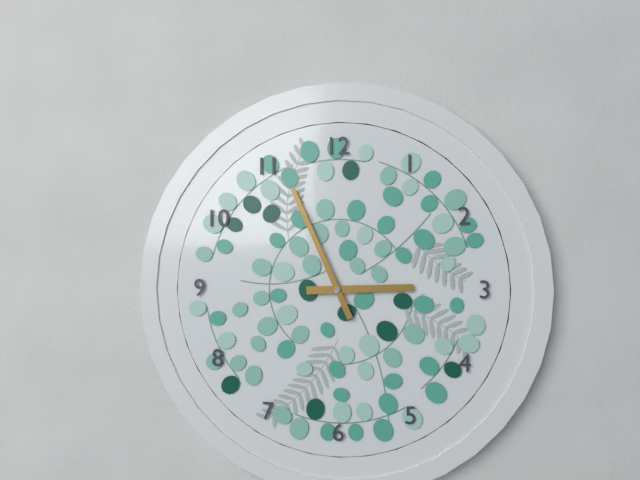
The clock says **2:56**
